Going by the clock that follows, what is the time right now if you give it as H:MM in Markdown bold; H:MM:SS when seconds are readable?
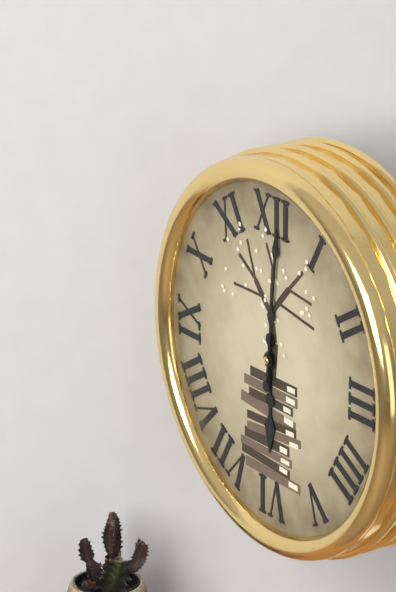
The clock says **6:01**
